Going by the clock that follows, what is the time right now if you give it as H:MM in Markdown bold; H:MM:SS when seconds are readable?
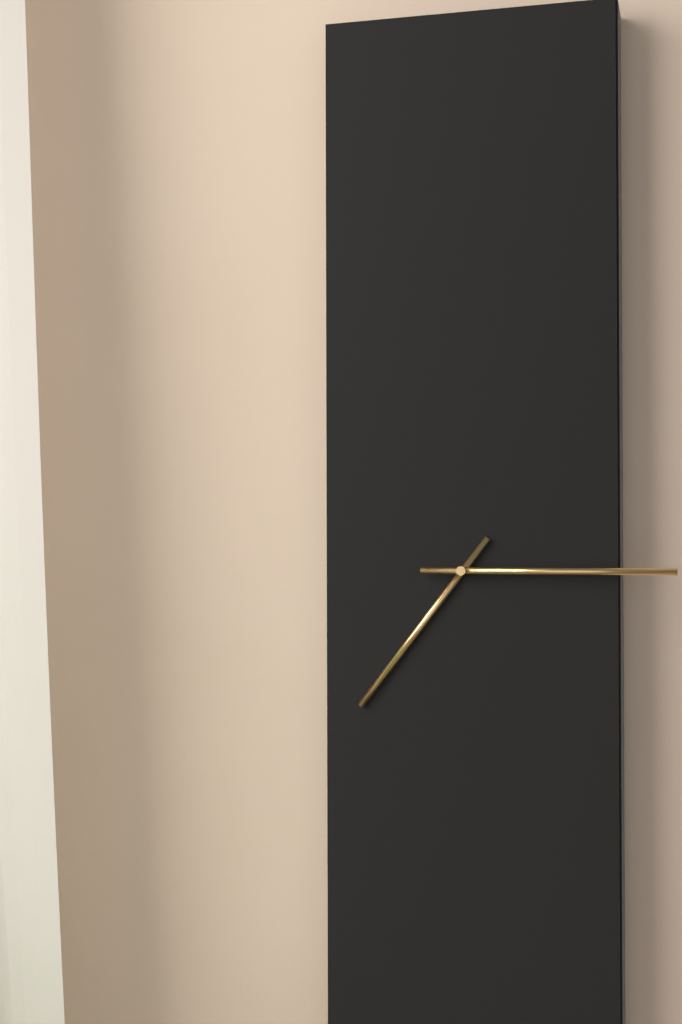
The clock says **7:15**
